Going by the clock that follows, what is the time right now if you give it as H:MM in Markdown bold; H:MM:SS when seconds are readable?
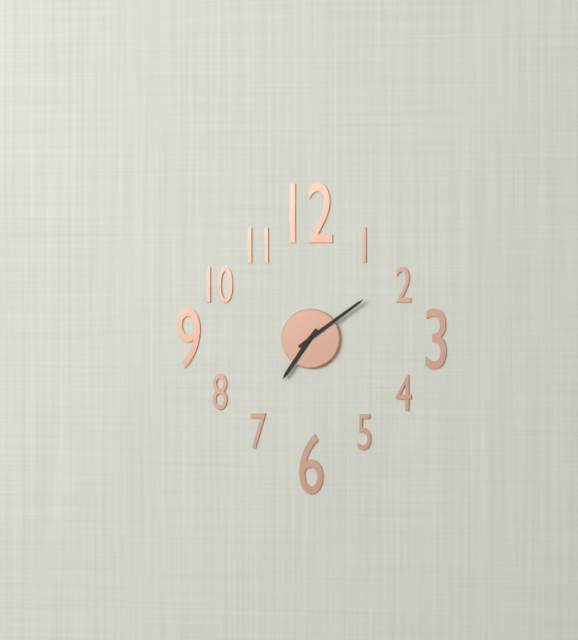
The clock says **7:09**
